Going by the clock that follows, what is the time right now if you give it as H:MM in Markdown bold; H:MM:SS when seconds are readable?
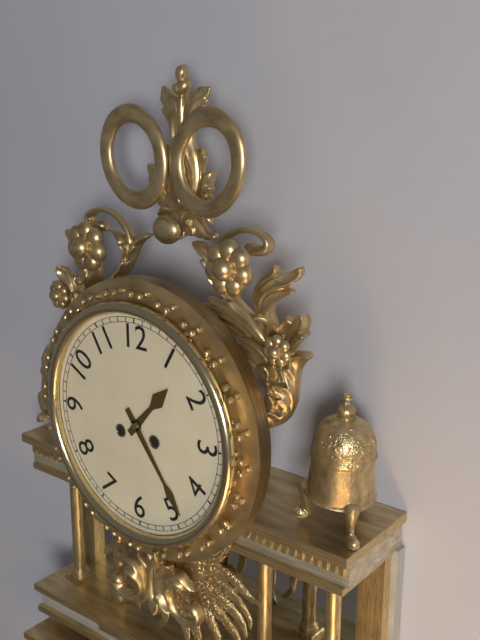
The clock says **1:24**
